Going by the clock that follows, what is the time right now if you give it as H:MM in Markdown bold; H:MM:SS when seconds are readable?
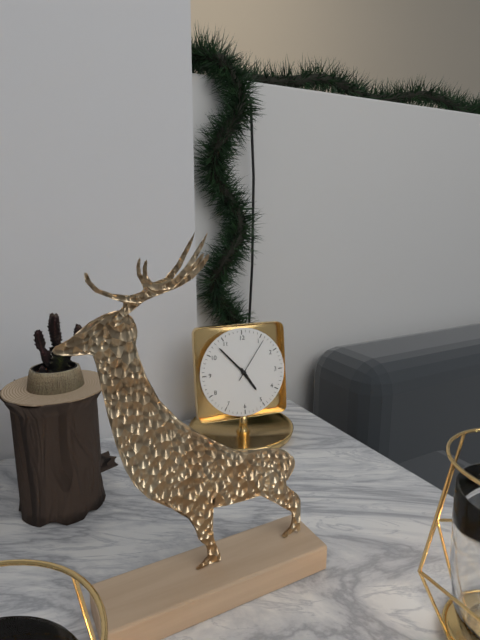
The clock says **4:53**
